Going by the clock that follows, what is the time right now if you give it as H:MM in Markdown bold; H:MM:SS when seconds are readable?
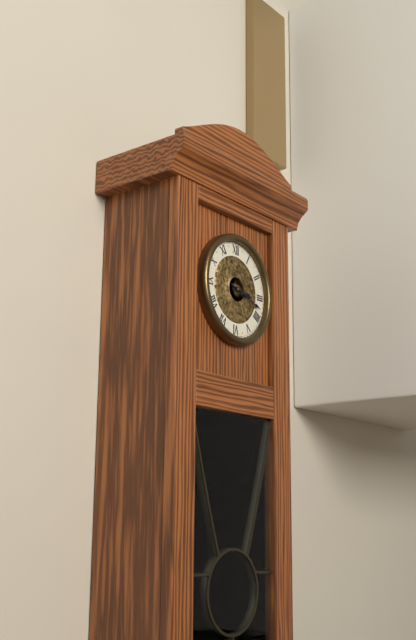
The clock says **3:18**
